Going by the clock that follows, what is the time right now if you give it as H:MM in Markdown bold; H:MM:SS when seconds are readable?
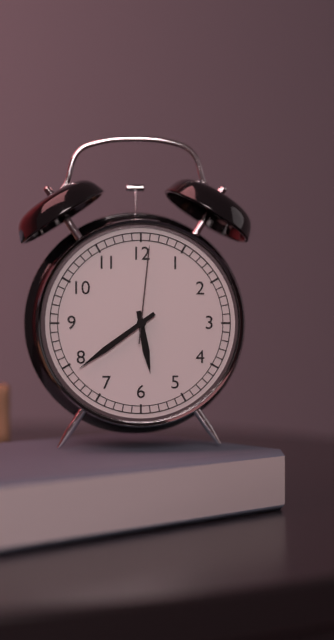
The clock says **5:39:01**
